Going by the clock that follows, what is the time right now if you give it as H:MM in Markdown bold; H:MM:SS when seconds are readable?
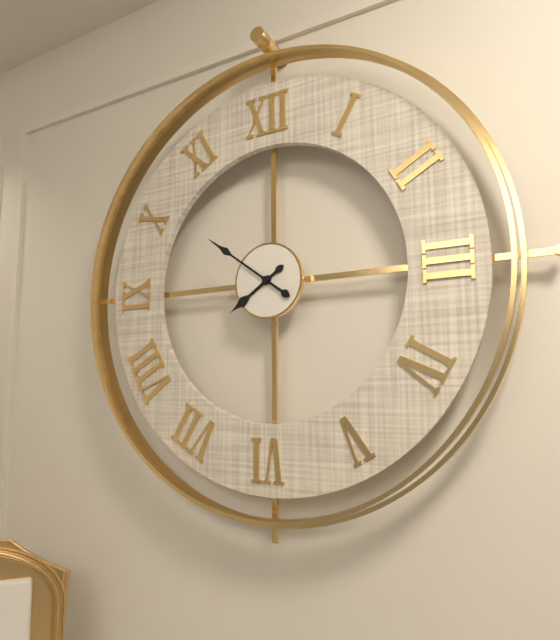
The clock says **7:51**
